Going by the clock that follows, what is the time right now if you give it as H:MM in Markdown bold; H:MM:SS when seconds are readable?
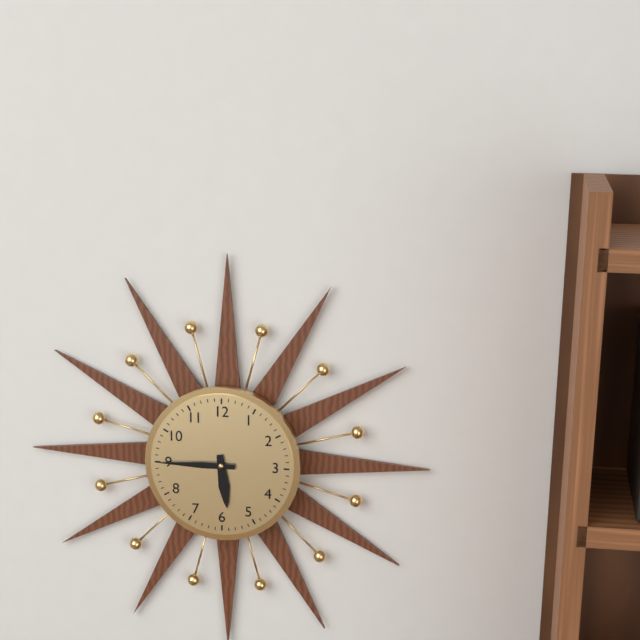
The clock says **5:45**
